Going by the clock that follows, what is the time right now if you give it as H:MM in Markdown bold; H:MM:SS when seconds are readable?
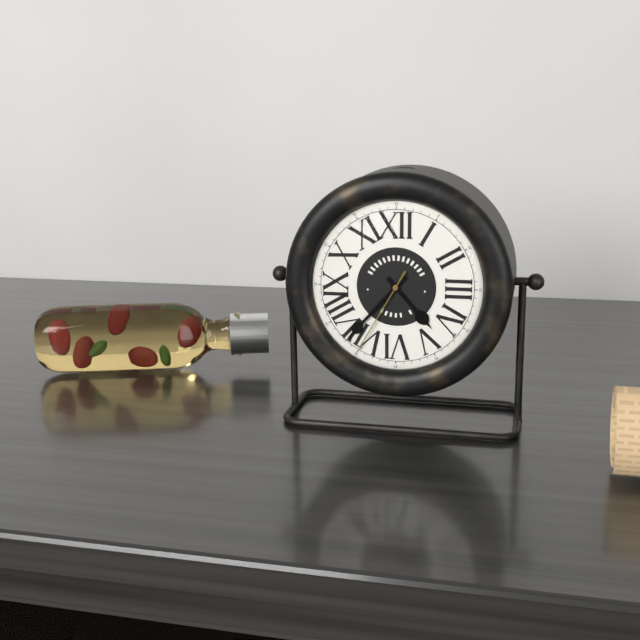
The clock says **4:37:35**
